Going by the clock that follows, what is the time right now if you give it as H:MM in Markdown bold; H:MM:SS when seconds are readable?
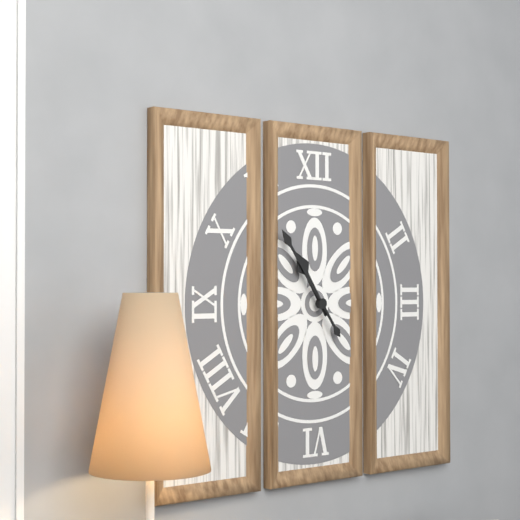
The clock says **10:54**
